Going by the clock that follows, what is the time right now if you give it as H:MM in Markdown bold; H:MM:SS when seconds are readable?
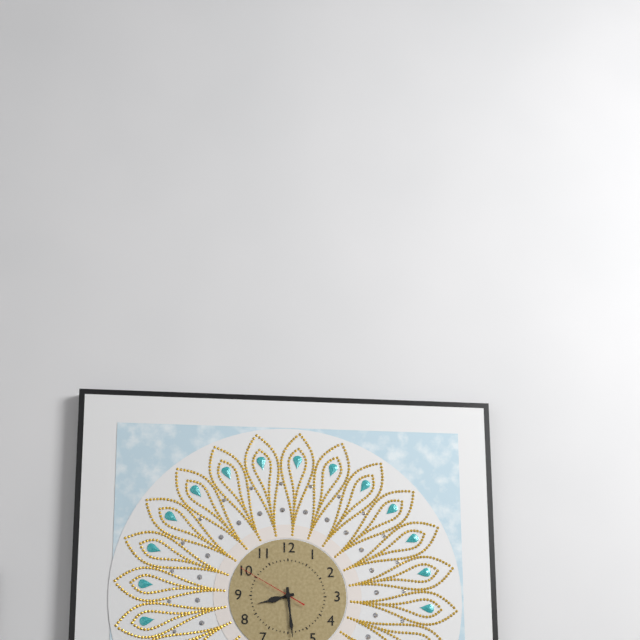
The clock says **8:29:50**
